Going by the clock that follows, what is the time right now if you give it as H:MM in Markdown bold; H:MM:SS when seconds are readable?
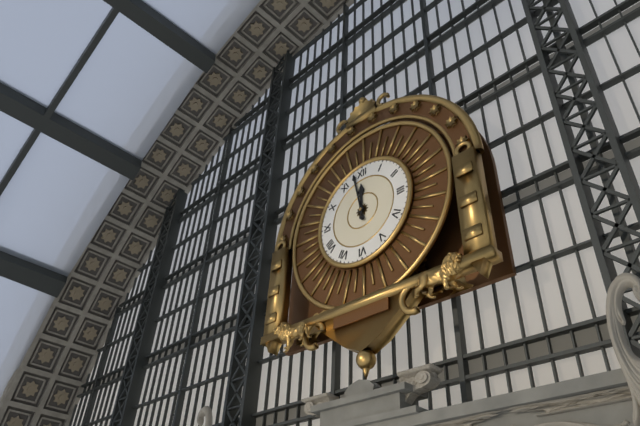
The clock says **11:58**
